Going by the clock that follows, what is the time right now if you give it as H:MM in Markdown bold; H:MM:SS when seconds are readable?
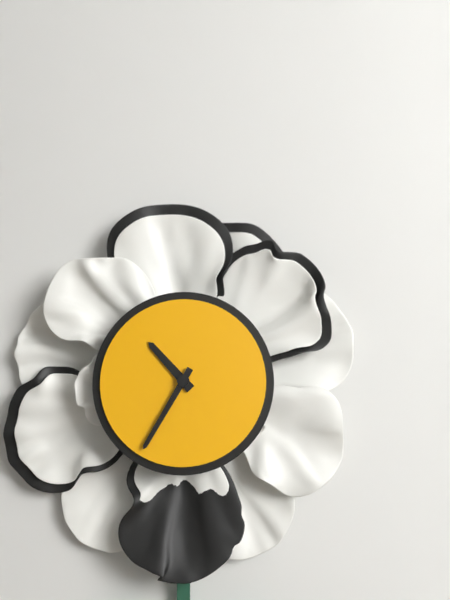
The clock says **10:35**
